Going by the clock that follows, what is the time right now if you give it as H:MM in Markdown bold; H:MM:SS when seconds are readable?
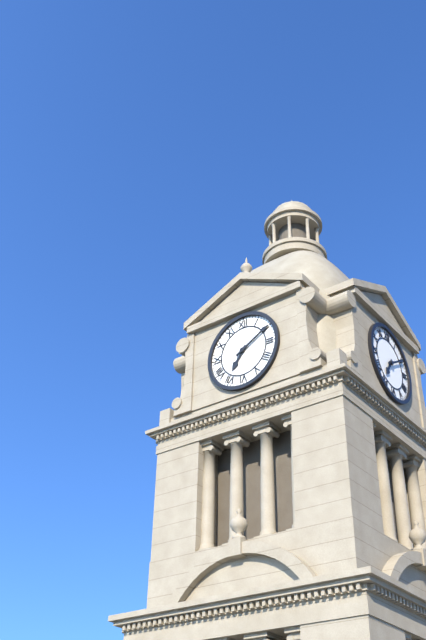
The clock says **7:10**
